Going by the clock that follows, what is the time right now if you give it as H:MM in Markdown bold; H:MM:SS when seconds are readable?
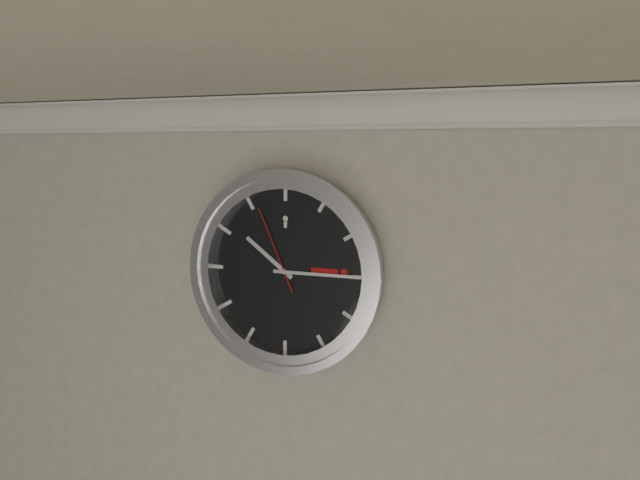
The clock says **10:15:56**
